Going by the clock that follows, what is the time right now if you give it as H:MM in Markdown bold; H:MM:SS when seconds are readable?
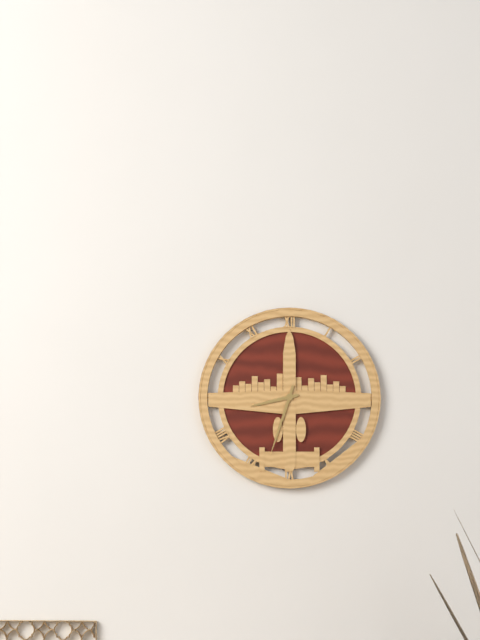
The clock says **8:33**
